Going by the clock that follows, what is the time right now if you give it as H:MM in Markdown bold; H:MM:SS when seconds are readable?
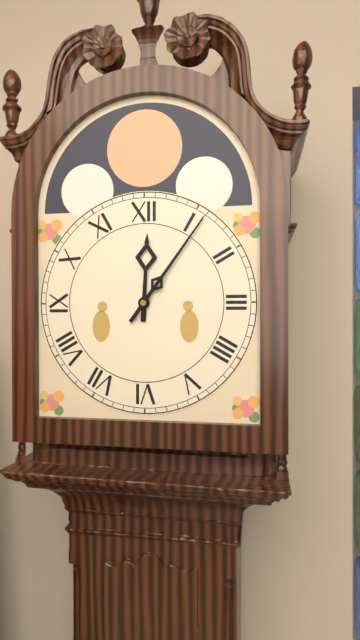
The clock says **12:06**
